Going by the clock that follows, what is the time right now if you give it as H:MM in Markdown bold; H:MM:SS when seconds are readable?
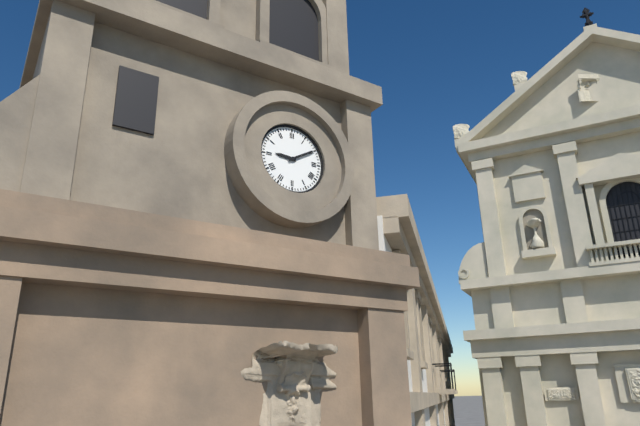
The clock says **9:10**
